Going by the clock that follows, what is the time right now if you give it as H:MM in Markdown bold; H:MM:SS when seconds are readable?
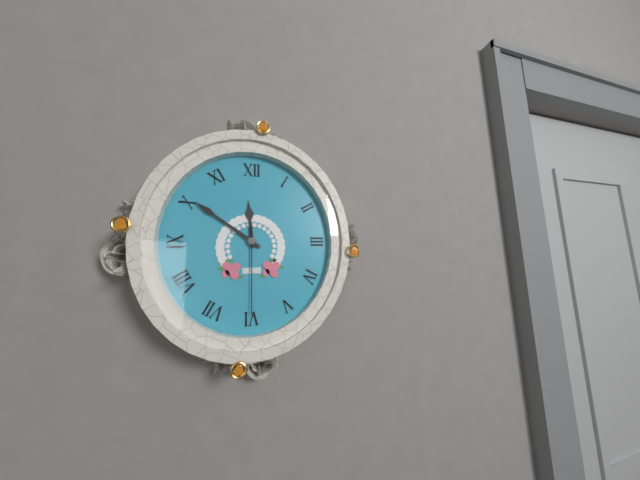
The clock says **11:51:30**
